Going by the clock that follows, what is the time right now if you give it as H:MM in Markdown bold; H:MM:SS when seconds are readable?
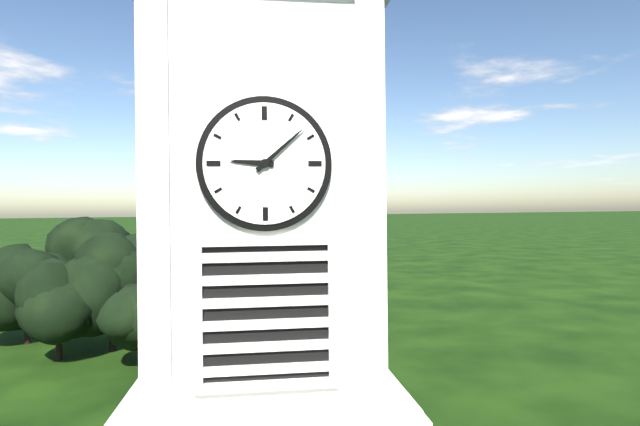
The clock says **9:08**
